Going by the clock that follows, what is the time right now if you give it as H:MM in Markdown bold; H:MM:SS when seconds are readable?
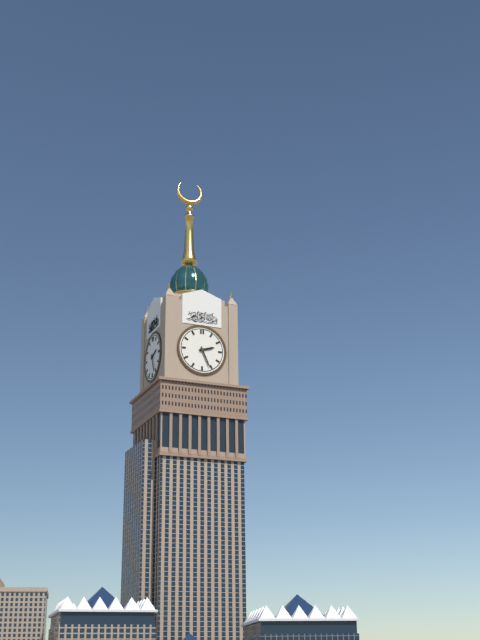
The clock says **2:26**
